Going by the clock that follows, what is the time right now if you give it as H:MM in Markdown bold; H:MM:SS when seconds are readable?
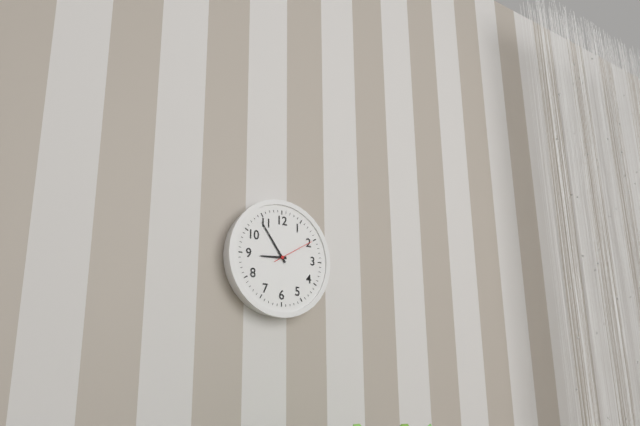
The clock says **8:54**
